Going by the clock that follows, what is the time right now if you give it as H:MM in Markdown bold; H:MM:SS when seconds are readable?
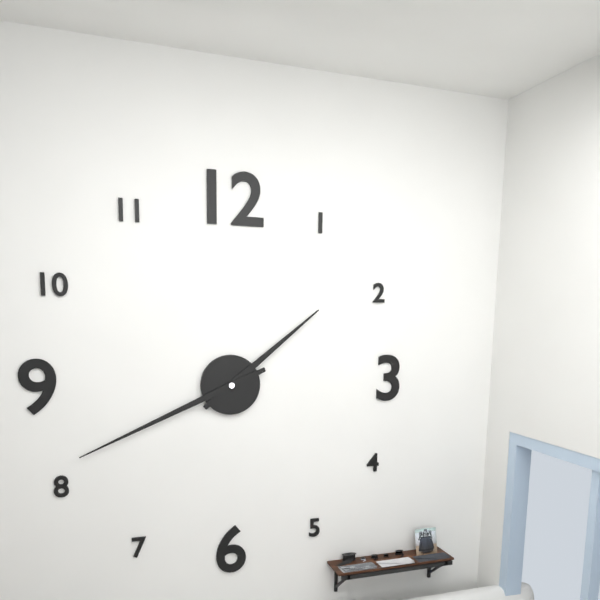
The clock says **1:41**
